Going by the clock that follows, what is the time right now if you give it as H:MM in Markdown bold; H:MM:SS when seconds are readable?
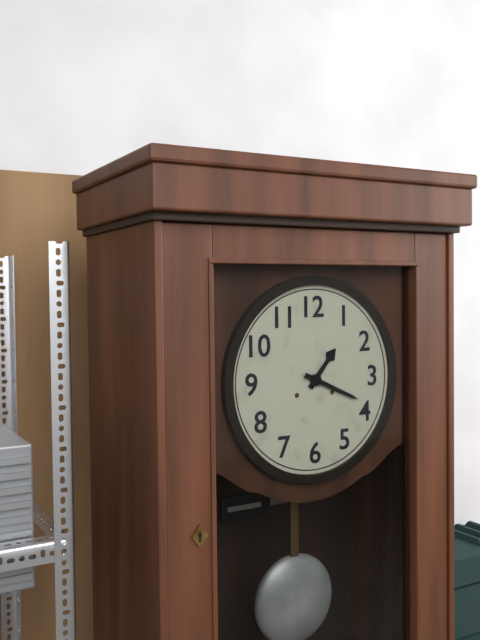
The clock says **1:19**
